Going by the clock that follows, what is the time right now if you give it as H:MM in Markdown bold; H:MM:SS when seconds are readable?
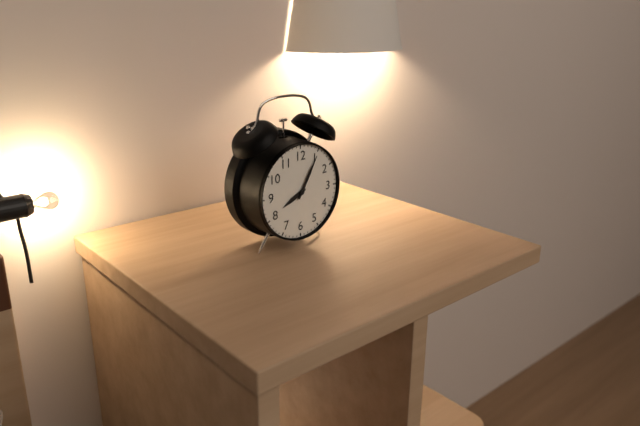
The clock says **8:05**
